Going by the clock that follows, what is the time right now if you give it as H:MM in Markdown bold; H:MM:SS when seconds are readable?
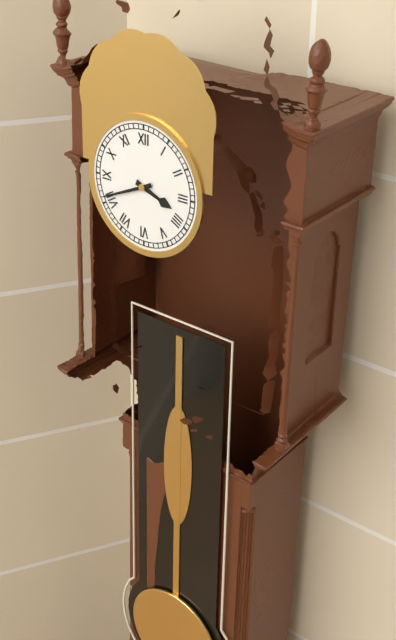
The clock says **3:41**
